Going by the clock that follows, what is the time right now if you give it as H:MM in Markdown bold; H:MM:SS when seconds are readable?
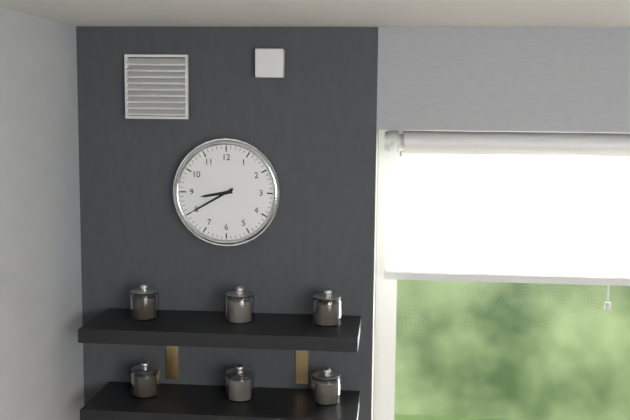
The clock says **8:40**
